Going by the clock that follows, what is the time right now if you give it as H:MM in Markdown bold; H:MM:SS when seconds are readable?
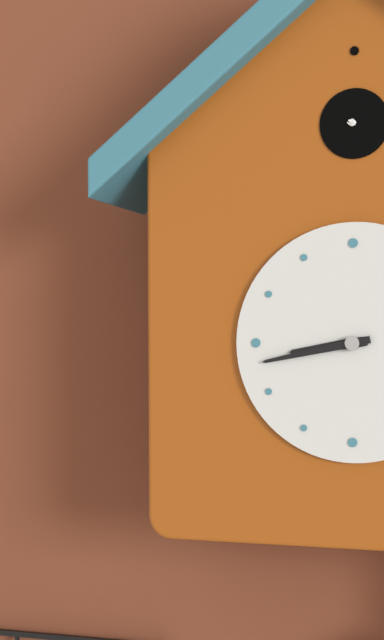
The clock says **8:43**
